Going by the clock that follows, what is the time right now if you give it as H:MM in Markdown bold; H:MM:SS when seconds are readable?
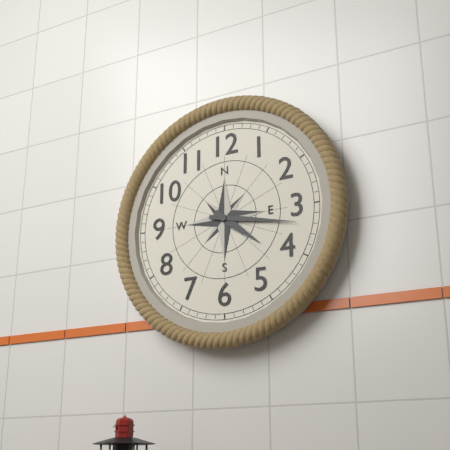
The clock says **4:17**
